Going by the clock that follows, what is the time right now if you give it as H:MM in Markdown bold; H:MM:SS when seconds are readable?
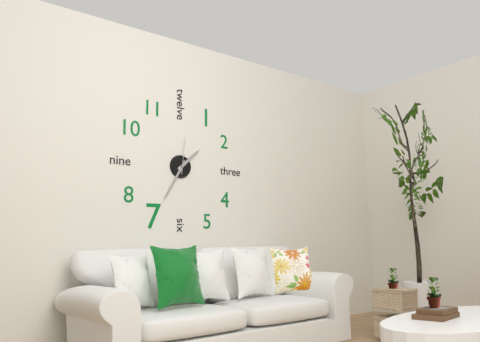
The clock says **1:35**
